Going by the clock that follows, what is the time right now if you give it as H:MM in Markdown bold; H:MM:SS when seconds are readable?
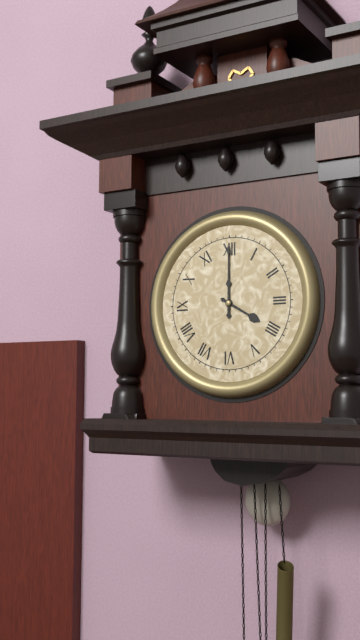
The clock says **4:00**
